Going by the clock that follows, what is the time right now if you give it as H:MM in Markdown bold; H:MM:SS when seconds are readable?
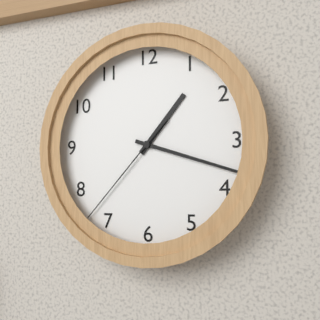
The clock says **1:18:37**
